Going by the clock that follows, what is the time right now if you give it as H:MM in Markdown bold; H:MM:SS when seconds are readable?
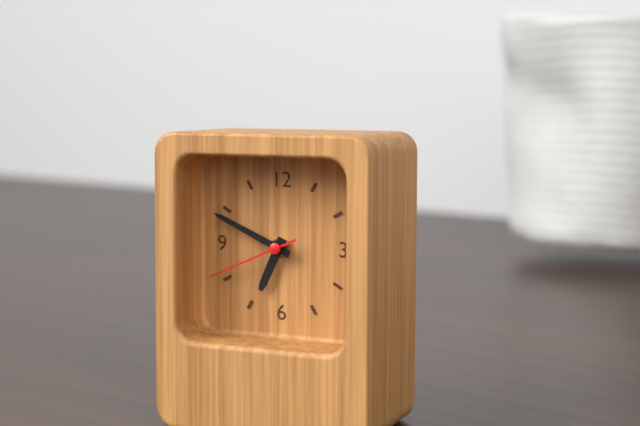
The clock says **6:49:41**
